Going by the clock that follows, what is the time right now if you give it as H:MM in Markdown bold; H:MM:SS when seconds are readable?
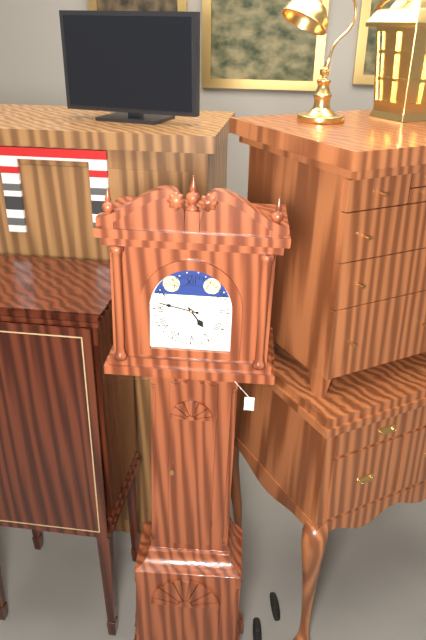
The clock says **4:47**
